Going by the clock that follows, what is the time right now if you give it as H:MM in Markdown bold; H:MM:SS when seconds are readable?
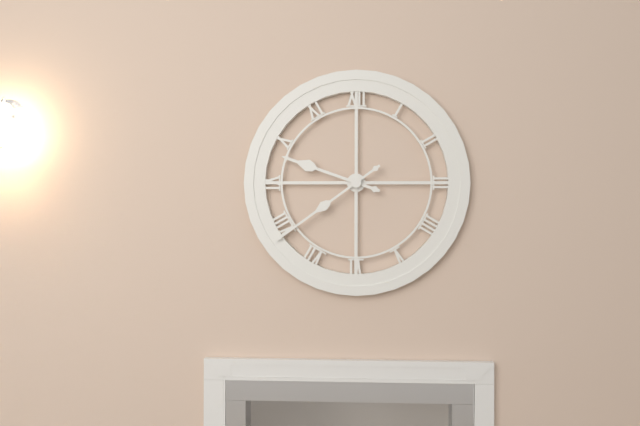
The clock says **9:39**
